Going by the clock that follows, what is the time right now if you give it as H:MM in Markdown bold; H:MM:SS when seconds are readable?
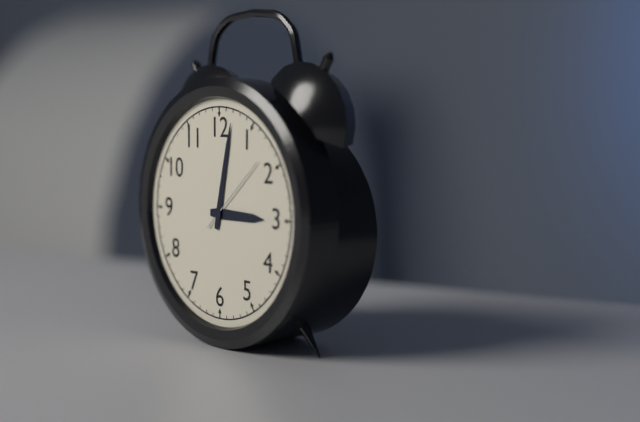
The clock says **3:02:08**
